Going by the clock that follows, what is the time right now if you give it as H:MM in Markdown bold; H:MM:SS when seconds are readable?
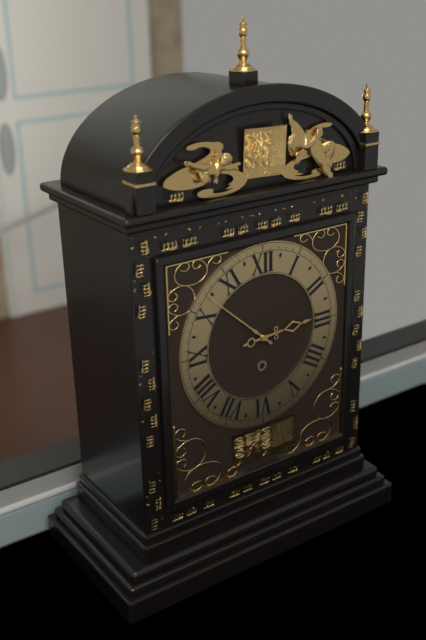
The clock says **2:52**
